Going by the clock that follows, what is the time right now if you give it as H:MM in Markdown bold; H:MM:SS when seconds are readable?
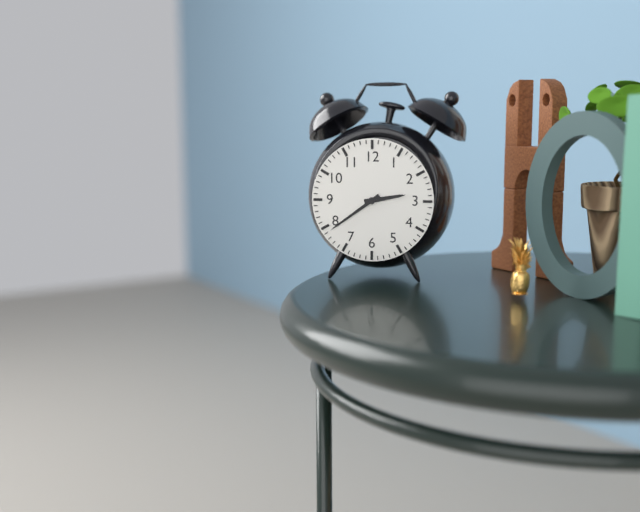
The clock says **2:39**
